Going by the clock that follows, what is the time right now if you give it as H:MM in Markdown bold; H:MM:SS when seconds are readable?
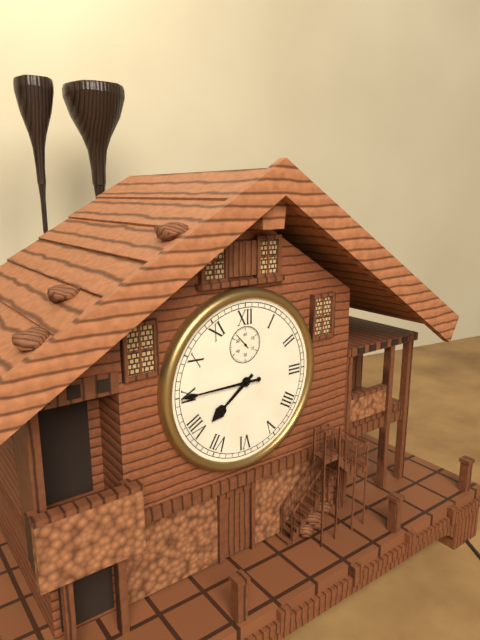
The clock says **7:45**
